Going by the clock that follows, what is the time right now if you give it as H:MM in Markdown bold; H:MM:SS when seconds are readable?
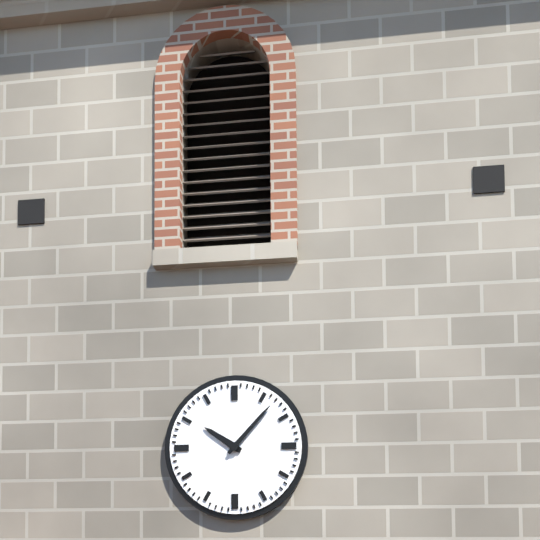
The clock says **10:07**
